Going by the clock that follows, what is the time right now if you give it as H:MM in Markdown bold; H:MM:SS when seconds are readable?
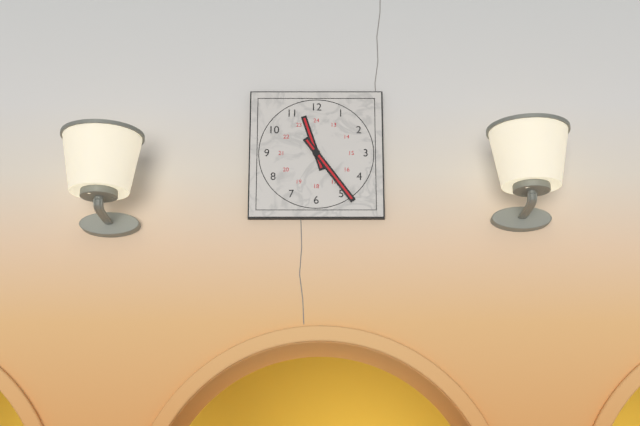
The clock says **11:24**
